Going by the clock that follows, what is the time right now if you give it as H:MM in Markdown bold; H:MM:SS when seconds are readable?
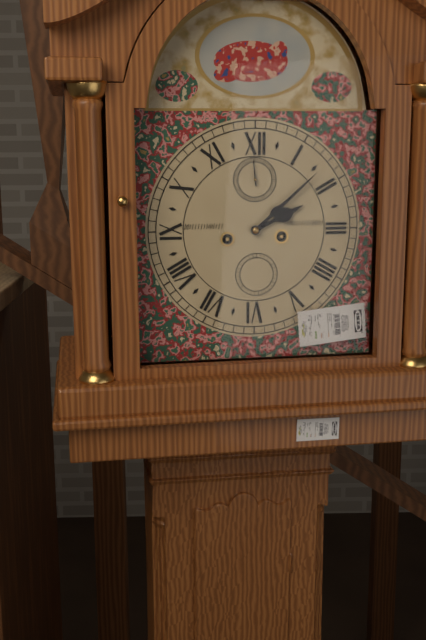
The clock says **2:08**
